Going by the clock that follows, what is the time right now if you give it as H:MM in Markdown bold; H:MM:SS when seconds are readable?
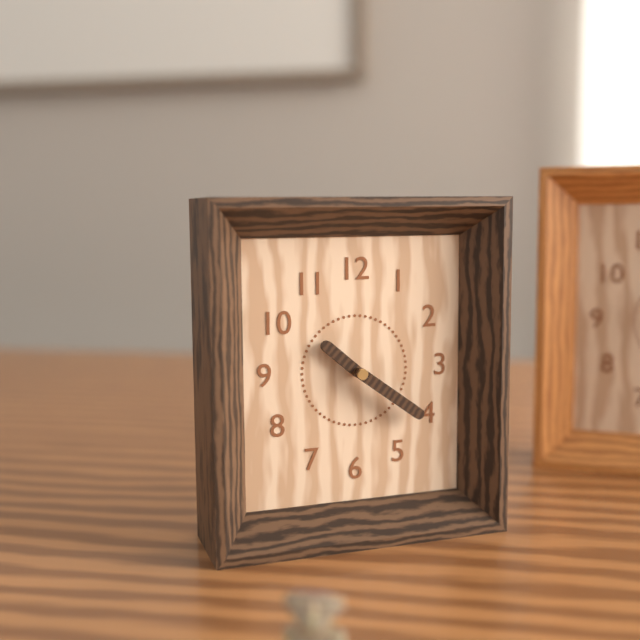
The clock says **10:21**
